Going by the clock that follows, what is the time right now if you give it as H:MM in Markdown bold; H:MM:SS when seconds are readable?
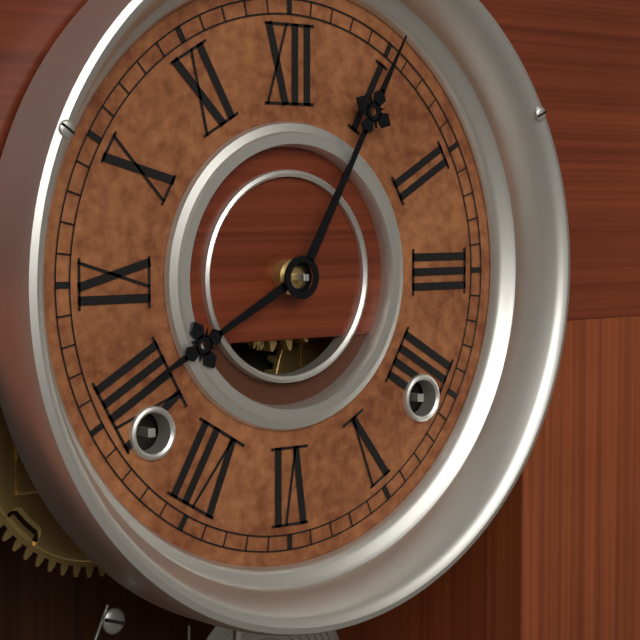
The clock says **8:05**
